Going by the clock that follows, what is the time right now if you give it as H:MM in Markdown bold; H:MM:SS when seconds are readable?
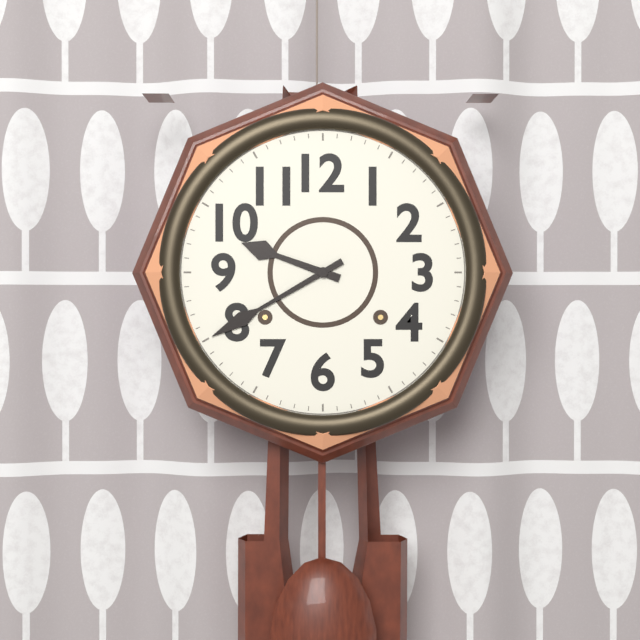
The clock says **9:40**
